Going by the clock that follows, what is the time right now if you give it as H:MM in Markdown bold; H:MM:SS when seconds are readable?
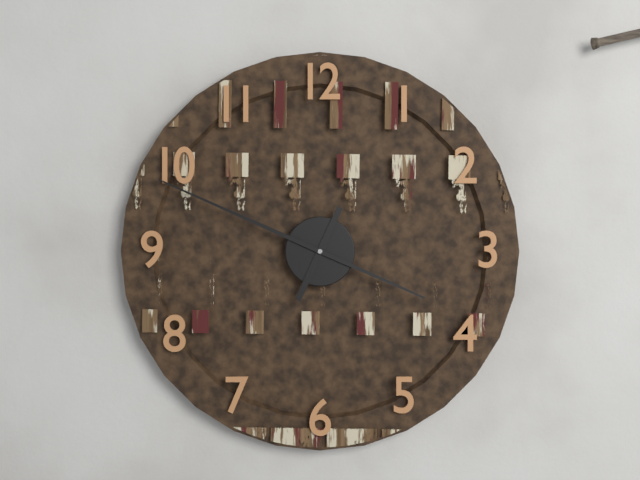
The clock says **6:49**
